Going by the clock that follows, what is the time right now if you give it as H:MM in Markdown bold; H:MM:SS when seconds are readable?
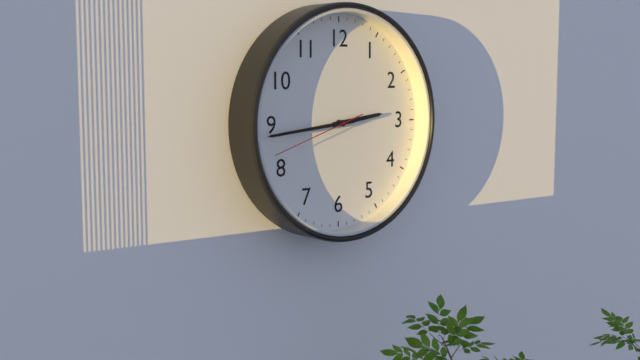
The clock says **2:44:42**
